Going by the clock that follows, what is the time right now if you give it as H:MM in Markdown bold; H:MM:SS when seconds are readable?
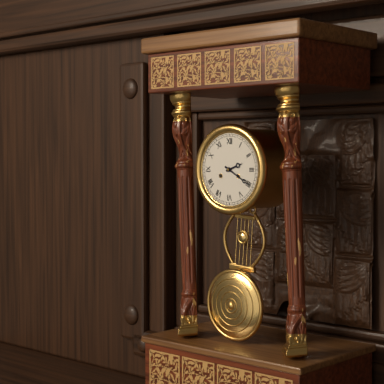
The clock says **2:20**
